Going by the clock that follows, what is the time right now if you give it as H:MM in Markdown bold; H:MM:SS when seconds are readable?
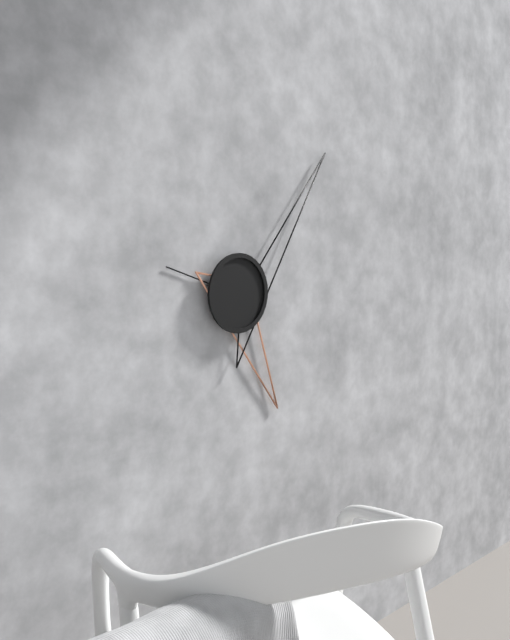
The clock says **5:07:48**
